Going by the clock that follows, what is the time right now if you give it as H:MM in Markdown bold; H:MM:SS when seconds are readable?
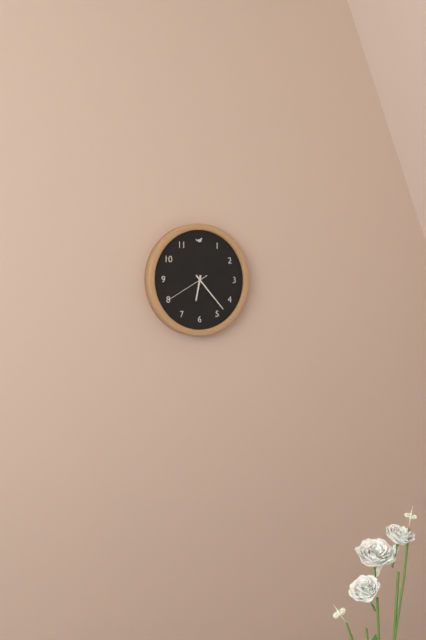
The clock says **6:23**
